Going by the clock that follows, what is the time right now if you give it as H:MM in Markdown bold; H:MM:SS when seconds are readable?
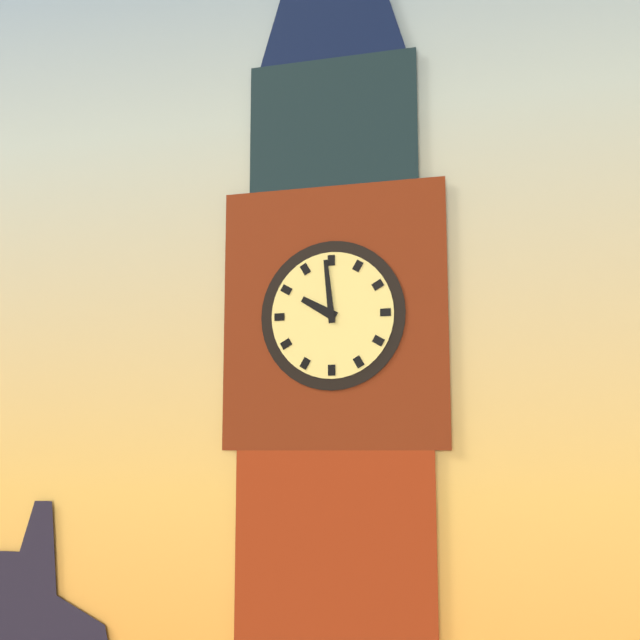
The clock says **9:59**
